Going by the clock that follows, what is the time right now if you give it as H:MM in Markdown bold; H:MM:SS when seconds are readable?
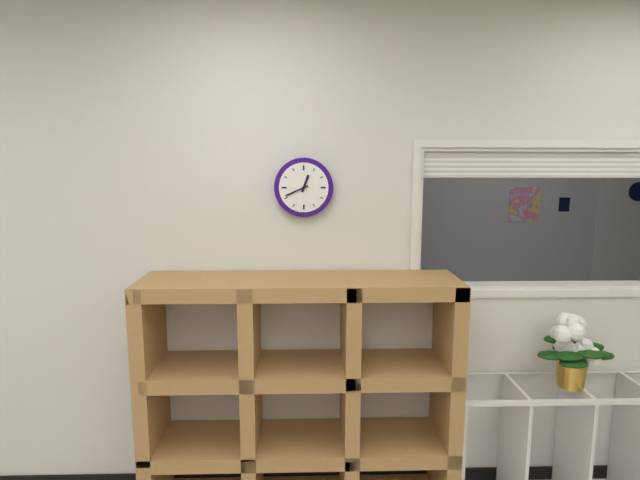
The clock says **12:41**
